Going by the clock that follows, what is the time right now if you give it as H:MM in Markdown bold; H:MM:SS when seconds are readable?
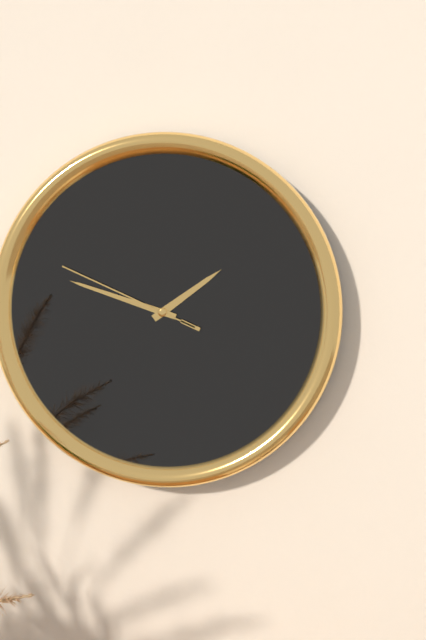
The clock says **1:48:49**
